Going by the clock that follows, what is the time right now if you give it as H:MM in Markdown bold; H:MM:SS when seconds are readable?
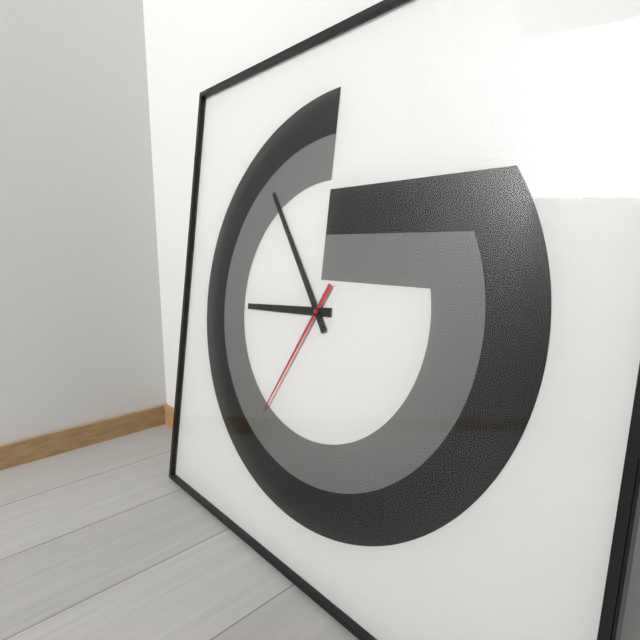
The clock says **8:54:35**
